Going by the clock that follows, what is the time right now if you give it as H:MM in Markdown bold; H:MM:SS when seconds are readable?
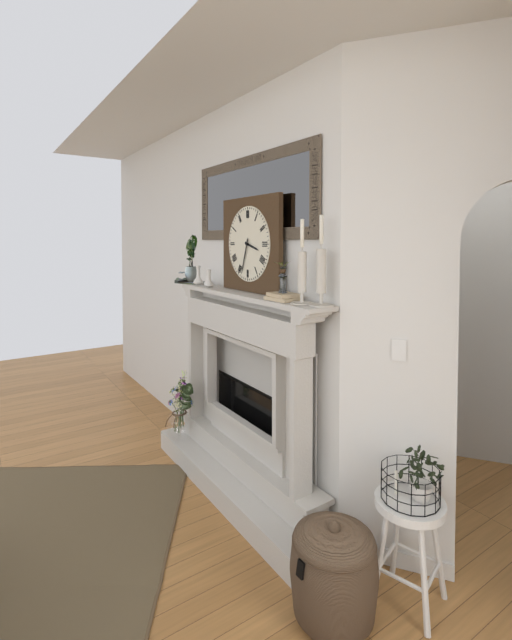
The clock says **3:33**
